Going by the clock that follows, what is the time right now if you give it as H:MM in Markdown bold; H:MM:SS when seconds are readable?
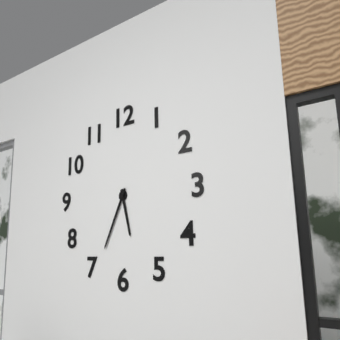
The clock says **5:34**
